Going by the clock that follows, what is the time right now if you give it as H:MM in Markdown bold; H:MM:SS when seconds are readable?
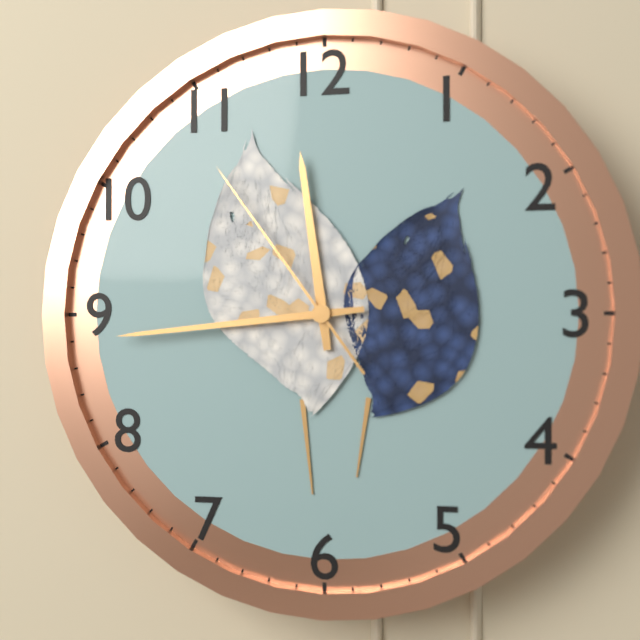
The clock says **11:44:54**
